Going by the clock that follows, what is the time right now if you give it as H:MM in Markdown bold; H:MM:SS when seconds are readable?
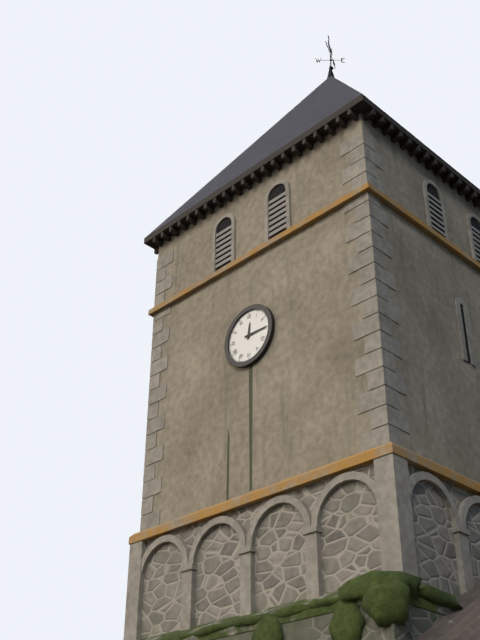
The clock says **12:15**
